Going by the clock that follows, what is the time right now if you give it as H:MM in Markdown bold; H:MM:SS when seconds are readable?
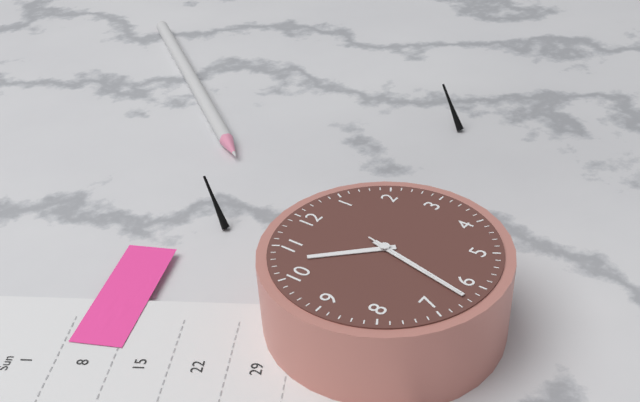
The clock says **10:32:32**
